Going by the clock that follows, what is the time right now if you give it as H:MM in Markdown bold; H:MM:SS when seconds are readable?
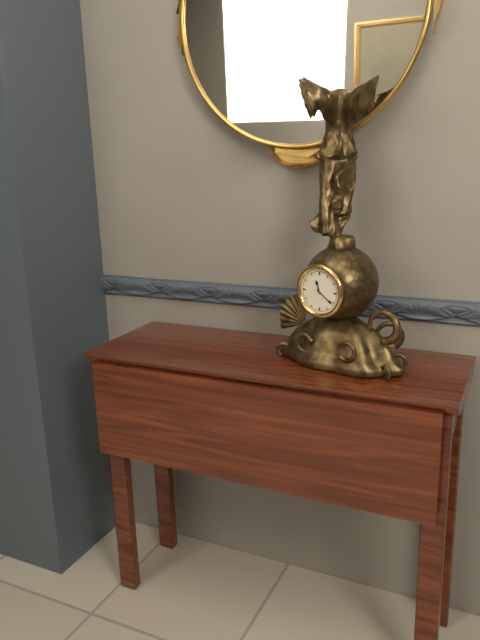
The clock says **11:21**
